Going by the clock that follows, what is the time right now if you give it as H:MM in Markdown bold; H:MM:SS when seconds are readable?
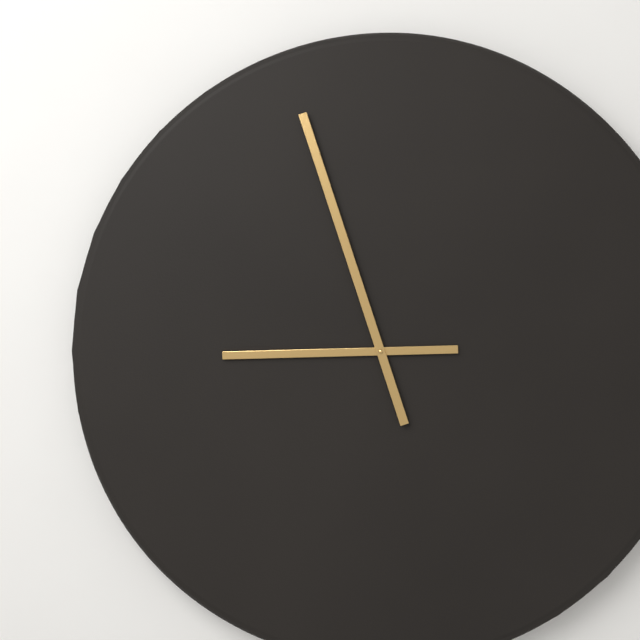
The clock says **8:57**
